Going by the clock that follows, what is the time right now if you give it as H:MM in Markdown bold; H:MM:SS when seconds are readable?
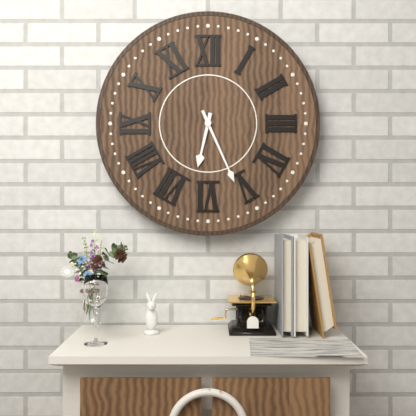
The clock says **6:26**
